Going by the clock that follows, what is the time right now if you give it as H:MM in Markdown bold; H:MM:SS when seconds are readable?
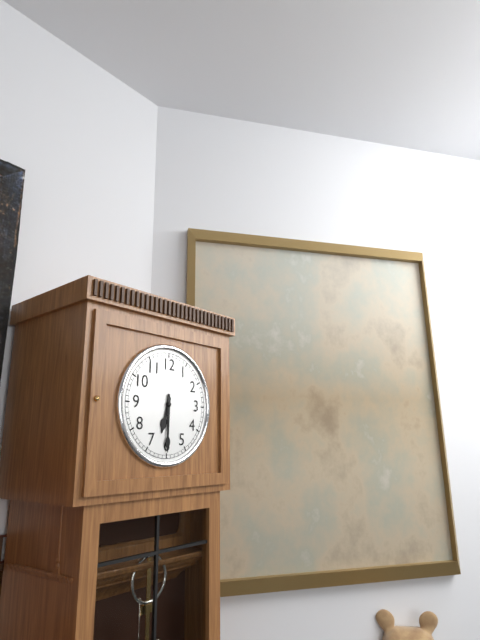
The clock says **6:30**
